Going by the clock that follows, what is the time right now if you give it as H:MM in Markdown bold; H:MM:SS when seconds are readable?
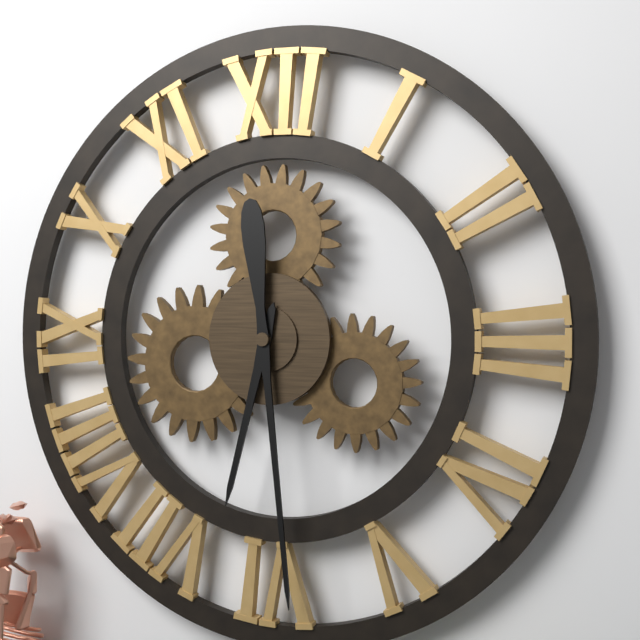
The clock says **6:29**
